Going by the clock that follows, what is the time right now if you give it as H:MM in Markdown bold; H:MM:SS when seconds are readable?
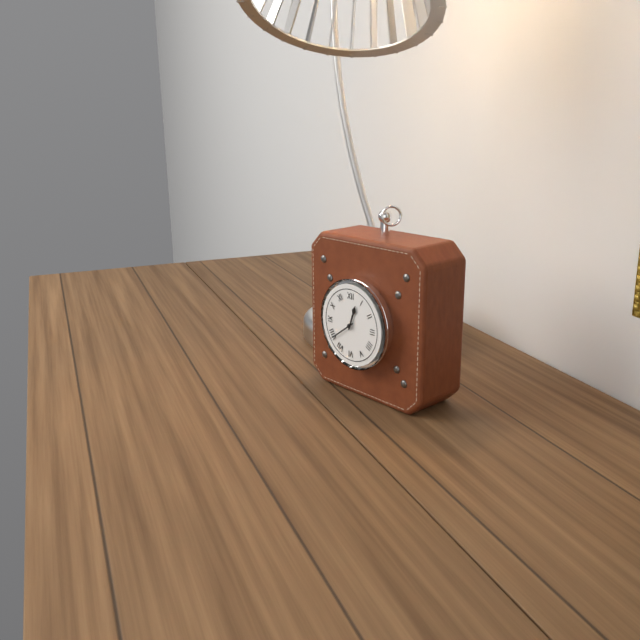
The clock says **12:39**
